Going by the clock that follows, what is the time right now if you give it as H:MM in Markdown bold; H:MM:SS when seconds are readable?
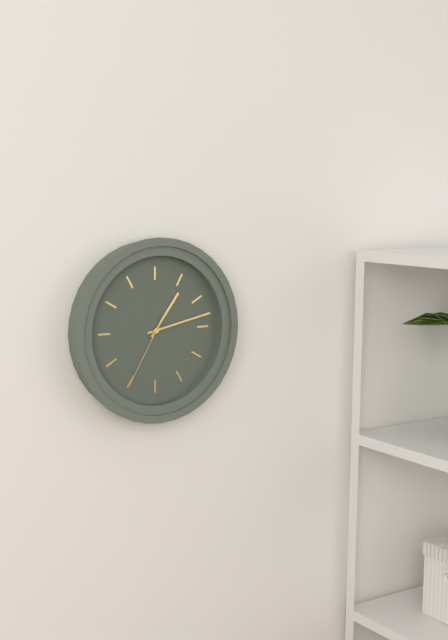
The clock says **1:13:35**
